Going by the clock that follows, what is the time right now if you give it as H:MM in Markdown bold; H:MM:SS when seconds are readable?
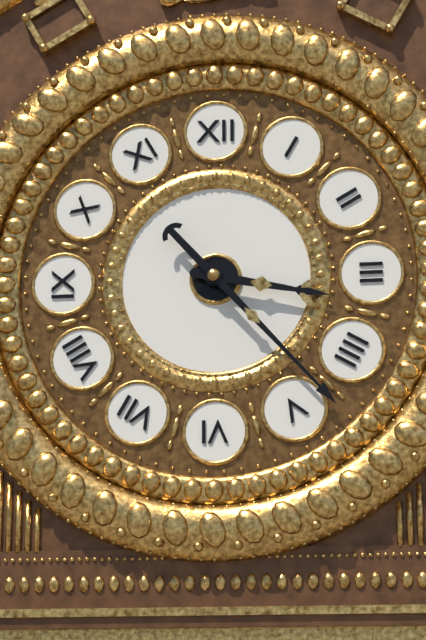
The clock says **3:23**
